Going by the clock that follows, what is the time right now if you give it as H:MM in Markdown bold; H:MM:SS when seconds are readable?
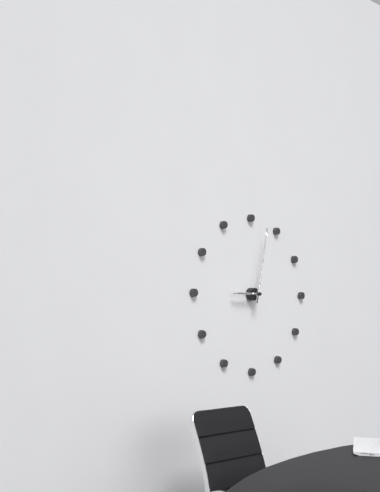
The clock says **9:02**
